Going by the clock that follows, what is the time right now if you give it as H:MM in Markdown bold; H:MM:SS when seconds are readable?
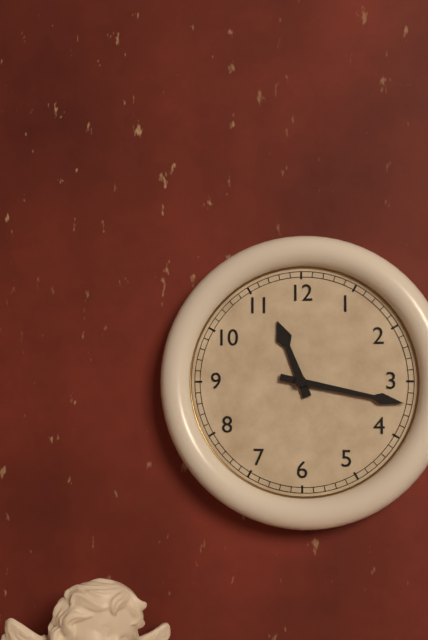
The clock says **11:17**
